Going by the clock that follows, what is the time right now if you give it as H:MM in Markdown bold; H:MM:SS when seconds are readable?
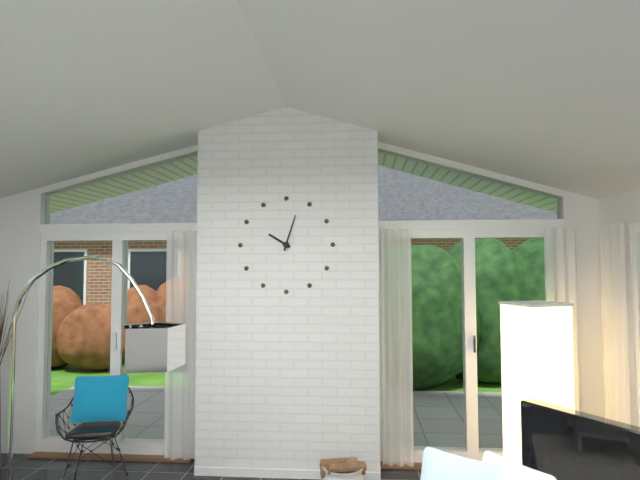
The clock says **10:03**
